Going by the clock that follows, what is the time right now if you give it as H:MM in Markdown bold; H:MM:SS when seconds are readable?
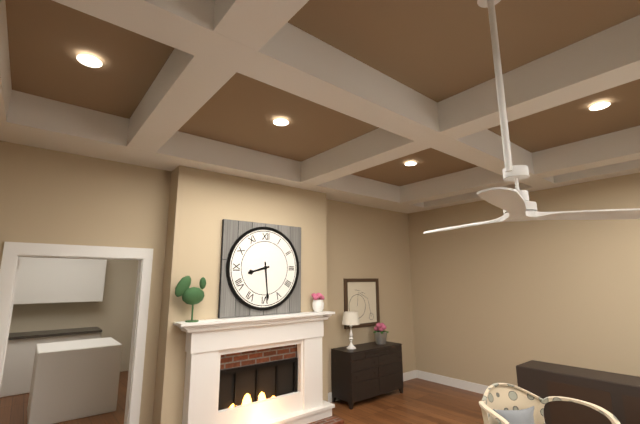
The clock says **8:29**
